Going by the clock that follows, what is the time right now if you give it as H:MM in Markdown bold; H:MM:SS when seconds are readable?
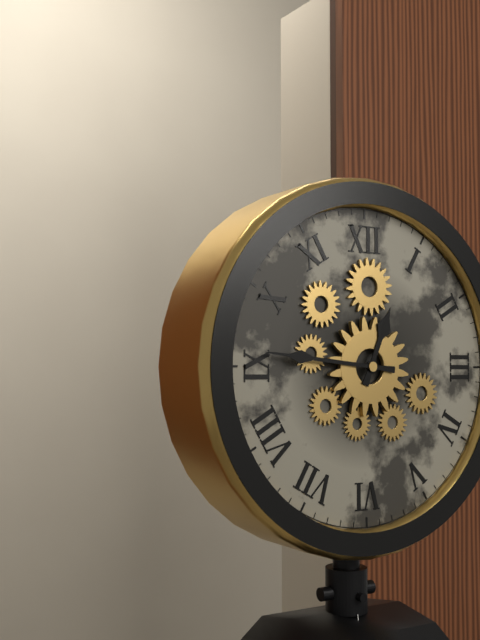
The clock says **12:46**
